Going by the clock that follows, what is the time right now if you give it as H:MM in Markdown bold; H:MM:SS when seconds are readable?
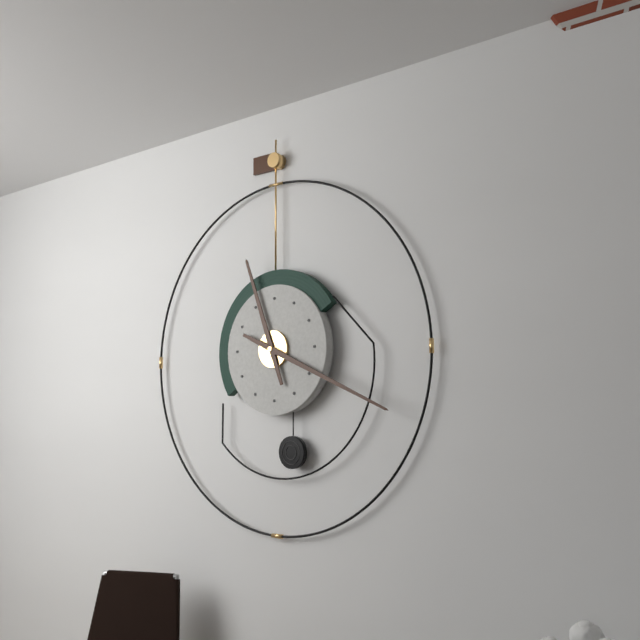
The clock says **11:19**
